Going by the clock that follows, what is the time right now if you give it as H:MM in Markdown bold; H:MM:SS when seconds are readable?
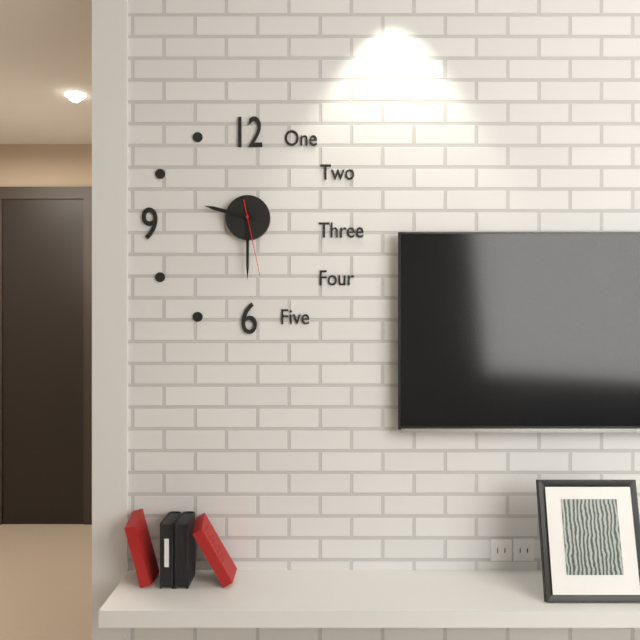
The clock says **9:30:28**
